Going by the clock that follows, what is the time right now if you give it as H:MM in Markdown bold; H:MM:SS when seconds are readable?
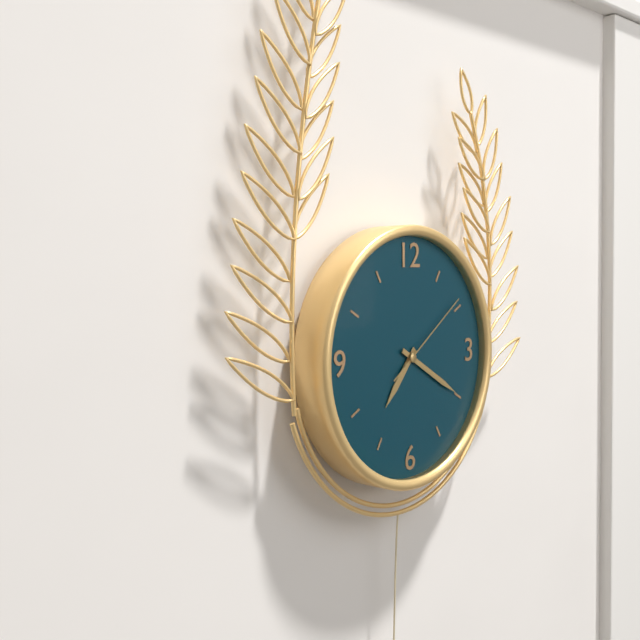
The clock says **7:20:09**
